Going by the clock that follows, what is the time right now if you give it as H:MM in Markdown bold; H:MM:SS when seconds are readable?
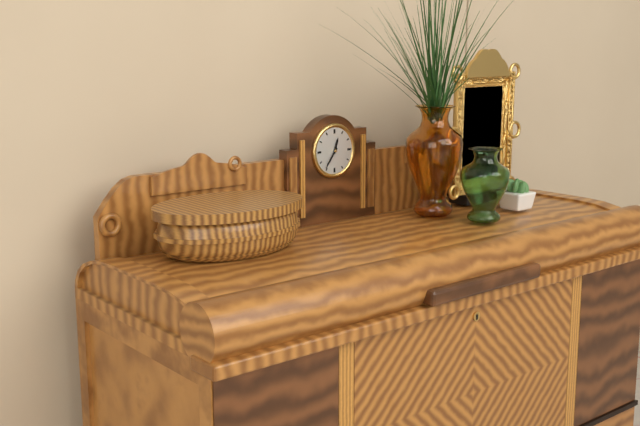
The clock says **12:36**
